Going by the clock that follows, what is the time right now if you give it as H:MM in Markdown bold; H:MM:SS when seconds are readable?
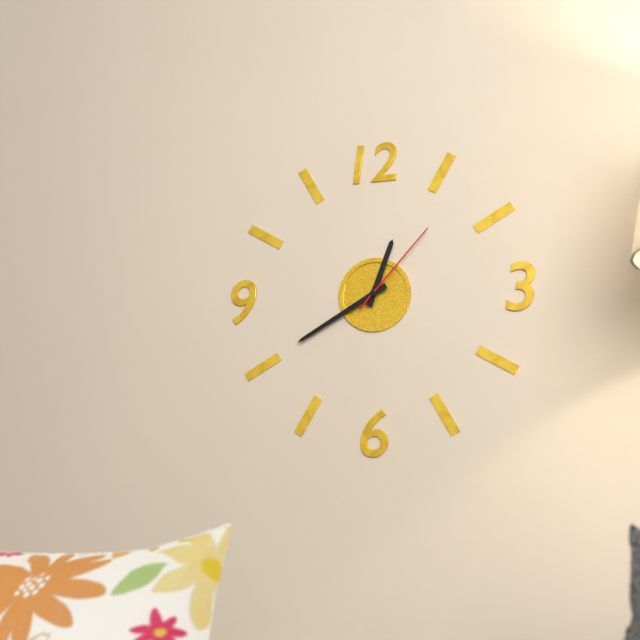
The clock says **12:40:07**
